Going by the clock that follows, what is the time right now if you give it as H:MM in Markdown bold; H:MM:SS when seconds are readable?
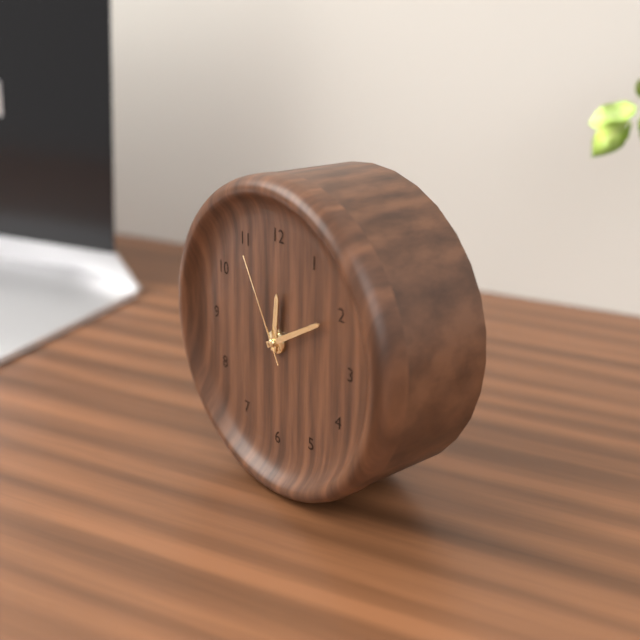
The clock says **12:10:55**
